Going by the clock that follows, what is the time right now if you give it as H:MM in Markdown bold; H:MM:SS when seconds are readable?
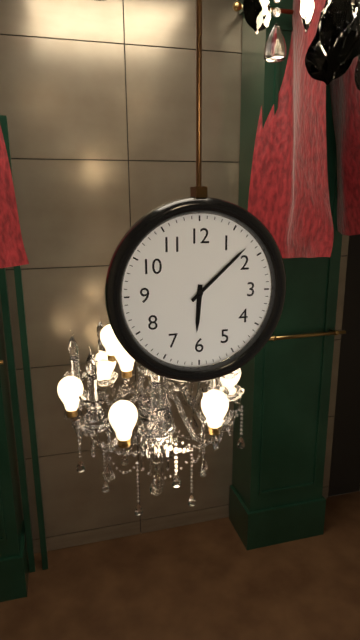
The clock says **6:08**
